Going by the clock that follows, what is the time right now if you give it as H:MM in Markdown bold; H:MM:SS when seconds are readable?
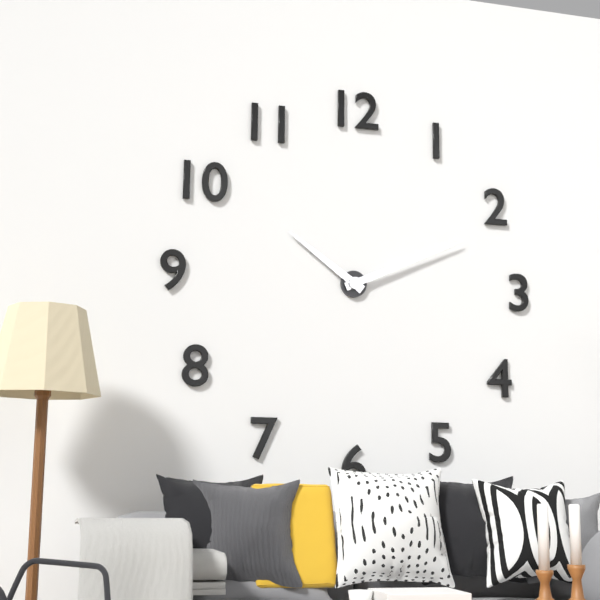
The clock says **10:11**
